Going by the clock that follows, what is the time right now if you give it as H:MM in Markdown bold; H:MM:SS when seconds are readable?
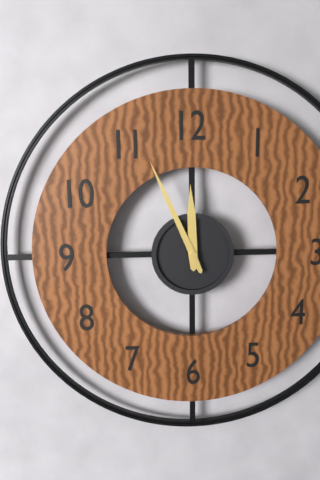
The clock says **11:56**
